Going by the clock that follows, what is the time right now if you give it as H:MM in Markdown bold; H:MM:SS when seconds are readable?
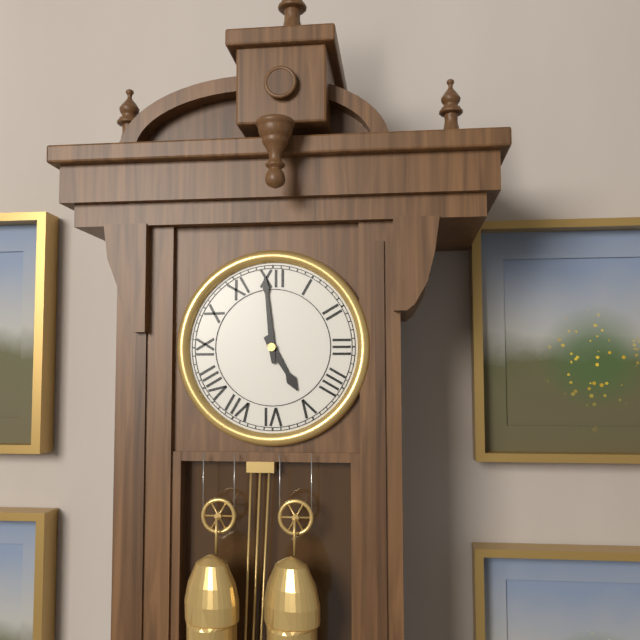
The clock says **4:59**
